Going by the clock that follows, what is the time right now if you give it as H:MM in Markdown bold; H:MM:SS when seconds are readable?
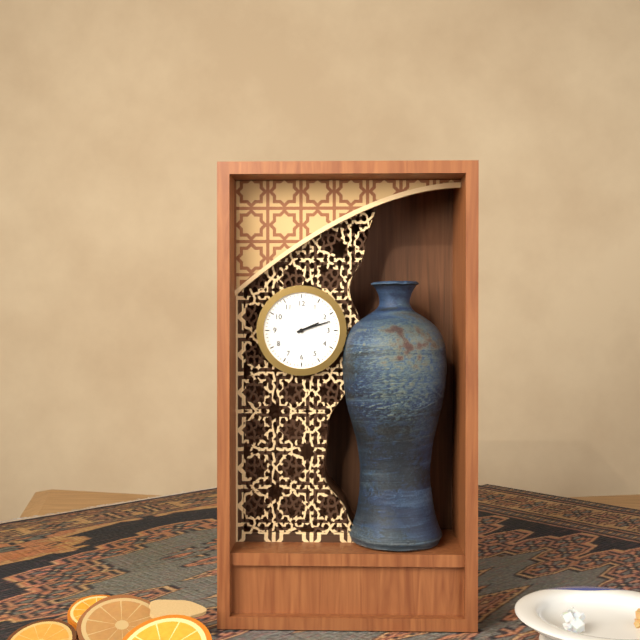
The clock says **2:12**
